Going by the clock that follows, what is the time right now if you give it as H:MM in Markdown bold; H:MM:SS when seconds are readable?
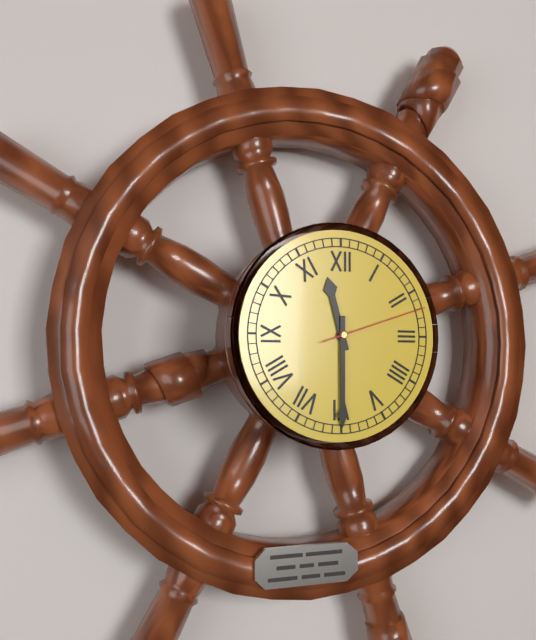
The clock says **11:30:12**
